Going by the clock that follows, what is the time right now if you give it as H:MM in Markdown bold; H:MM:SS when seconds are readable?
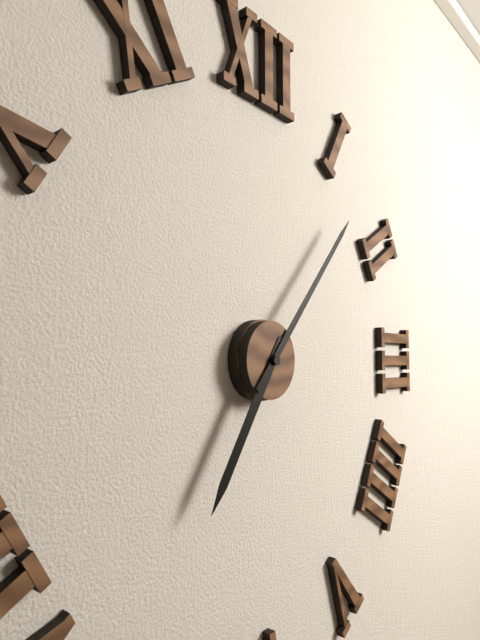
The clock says **7:07**
